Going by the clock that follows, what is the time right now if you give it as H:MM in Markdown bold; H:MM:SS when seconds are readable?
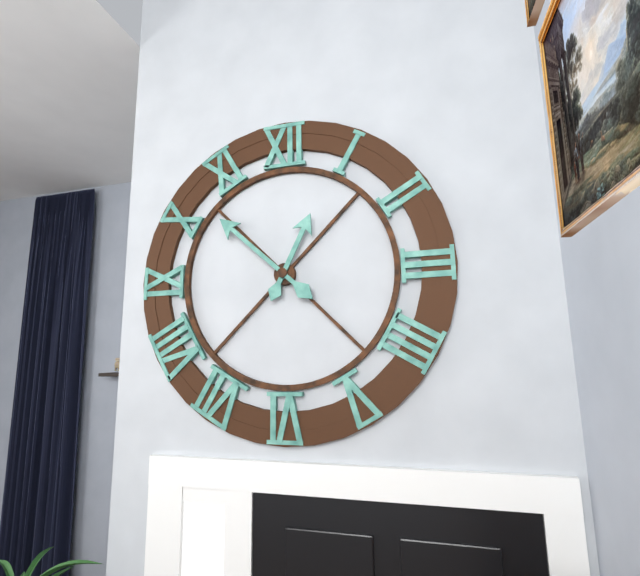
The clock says **12:52**
